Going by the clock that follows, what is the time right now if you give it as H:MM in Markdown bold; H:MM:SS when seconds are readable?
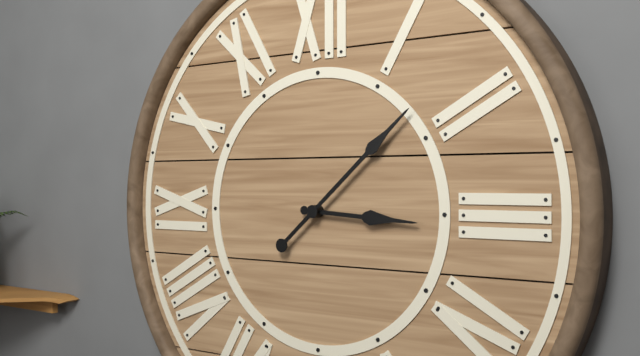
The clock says **3:08**
